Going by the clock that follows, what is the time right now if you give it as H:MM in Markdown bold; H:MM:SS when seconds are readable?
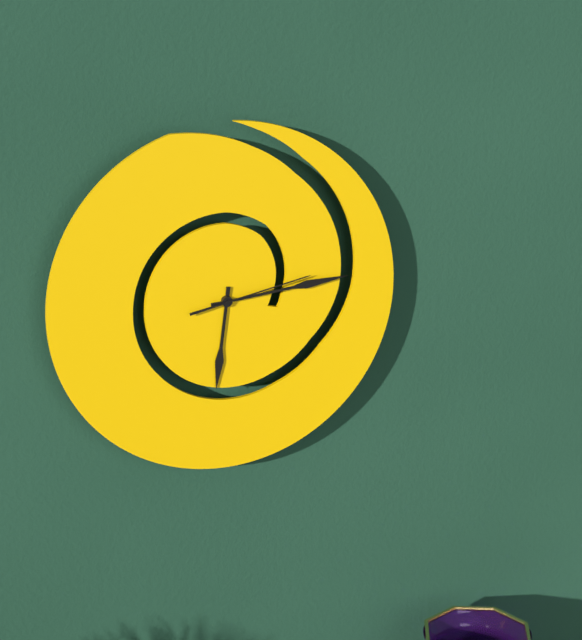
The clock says **6:14:13**
